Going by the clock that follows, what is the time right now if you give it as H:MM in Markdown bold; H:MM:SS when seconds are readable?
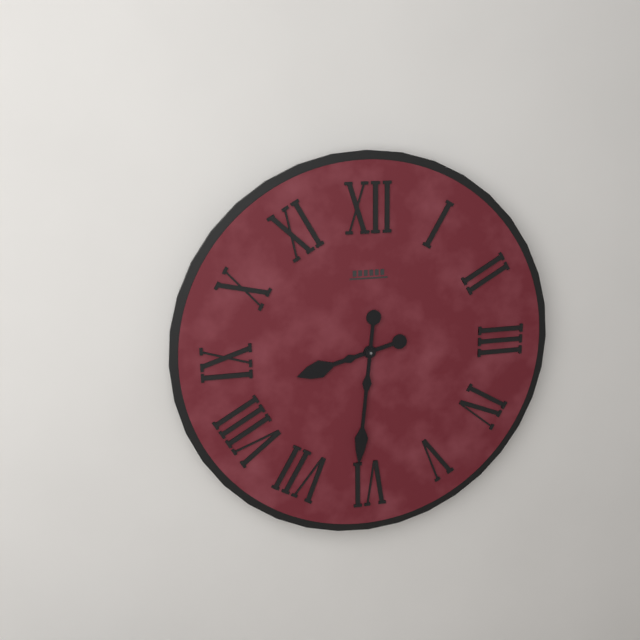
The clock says **8:31**
